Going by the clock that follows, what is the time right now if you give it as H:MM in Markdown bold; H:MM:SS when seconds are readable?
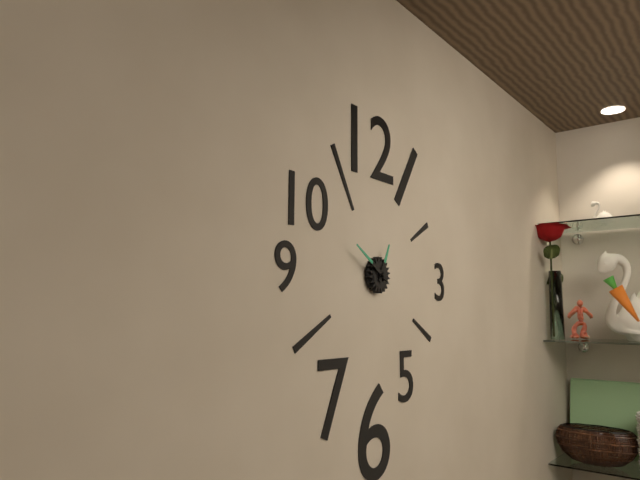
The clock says **12:50**
